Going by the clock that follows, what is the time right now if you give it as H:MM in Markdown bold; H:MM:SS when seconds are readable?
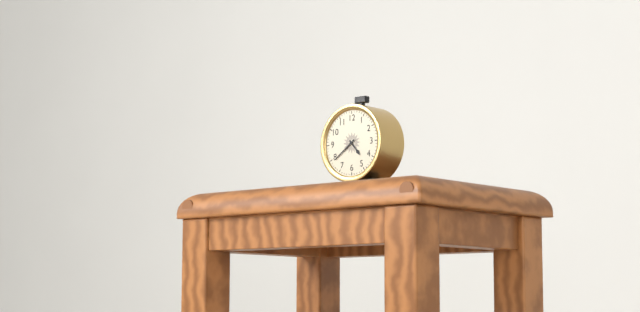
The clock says **4:39**
